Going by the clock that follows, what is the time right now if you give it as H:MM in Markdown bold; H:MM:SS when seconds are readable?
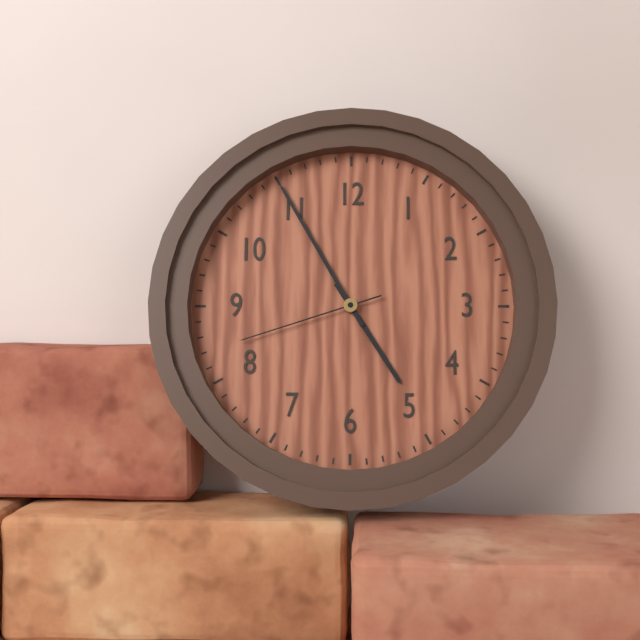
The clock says **4:55:42**
